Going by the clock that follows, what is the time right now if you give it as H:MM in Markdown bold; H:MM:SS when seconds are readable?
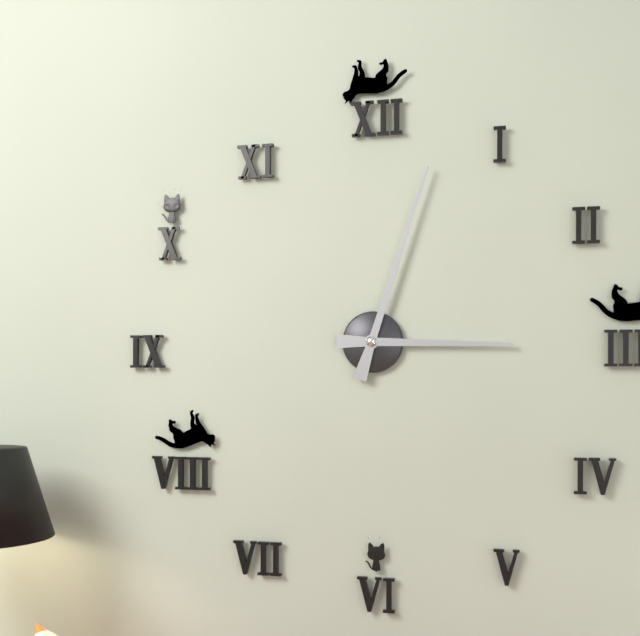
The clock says **3:03**
